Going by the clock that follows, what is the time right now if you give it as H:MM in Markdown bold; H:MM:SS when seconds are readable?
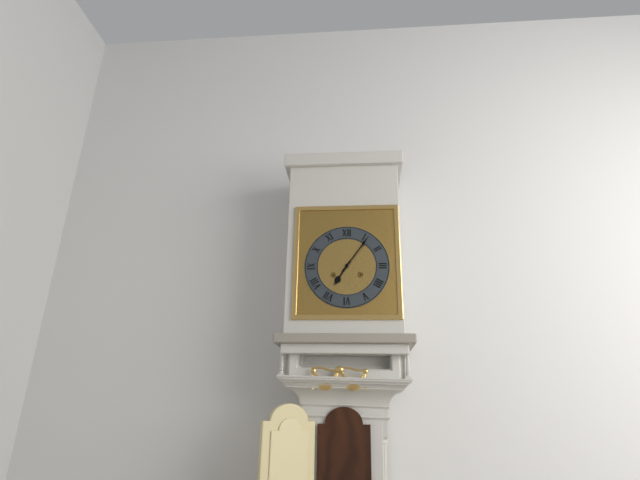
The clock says **7:06**
